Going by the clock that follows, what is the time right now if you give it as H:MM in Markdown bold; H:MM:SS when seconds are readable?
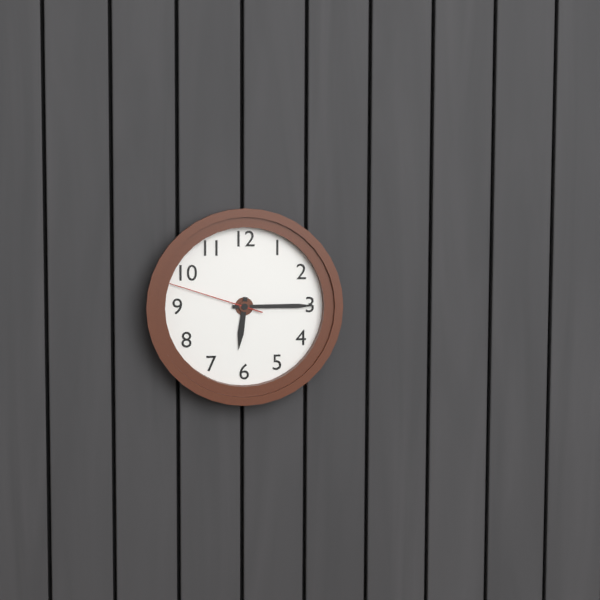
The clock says **6:15:48**
